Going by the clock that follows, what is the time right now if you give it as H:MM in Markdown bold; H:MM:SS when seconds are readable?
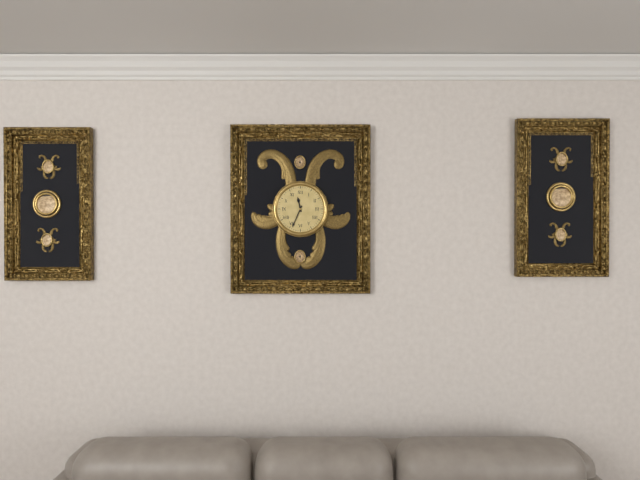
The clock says **11:34**
